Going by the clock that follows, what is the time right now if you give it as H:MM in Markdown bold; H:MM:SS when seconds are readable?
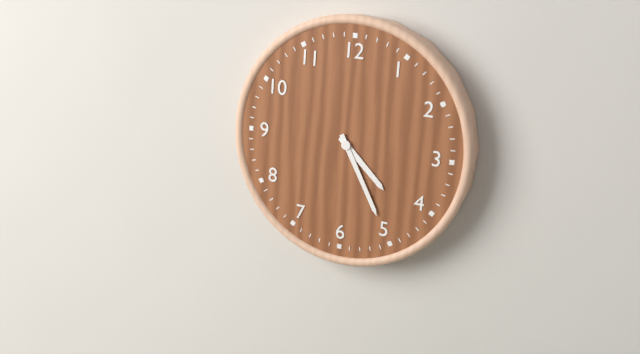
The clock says **4:25**
